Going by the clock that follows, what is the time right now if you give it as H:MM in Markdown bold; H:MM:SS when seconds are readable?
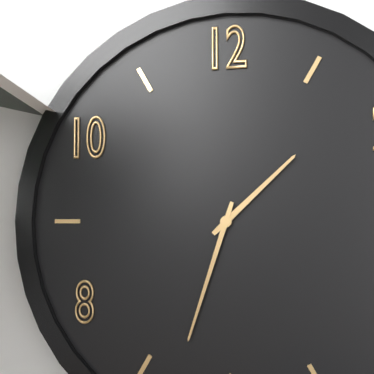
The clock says **1:33**
